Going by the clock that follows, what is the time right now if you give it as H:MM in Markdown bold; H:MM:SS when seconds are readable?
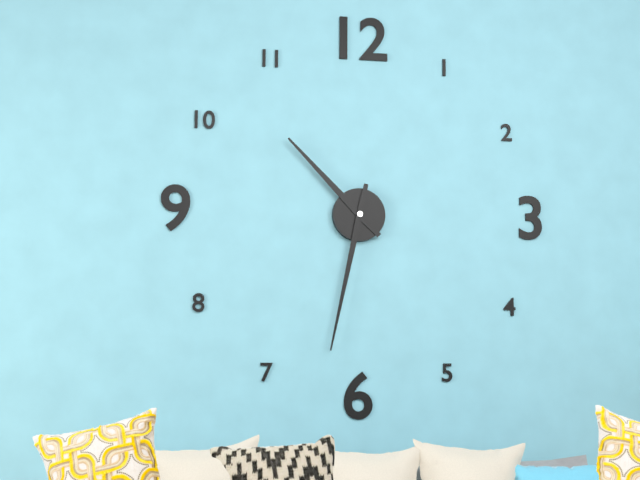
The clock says **10:32**
